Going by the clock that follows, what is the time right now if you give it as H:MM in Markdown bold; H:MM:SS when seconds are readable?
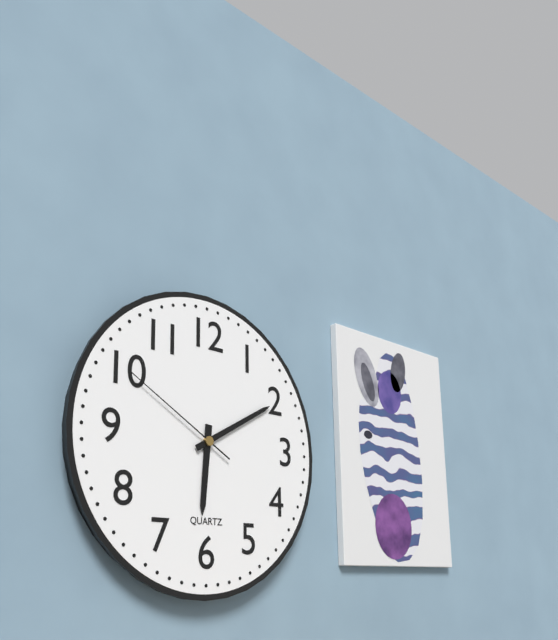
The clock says **6:10:50**
